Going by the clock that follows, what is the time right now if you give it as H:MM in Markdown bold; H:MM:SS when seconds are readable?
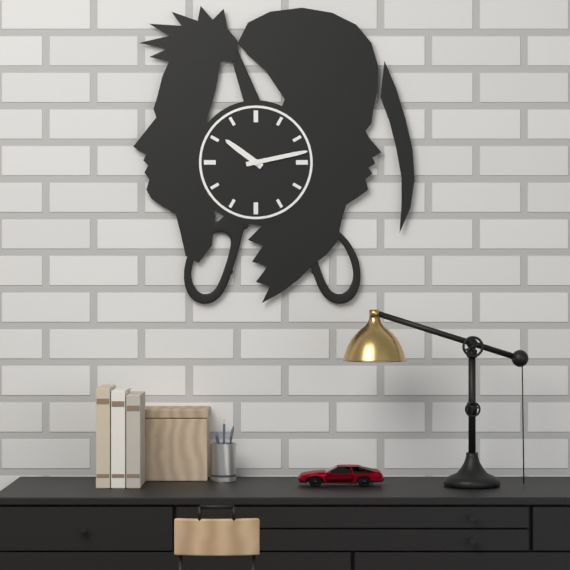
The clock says **10:13**
